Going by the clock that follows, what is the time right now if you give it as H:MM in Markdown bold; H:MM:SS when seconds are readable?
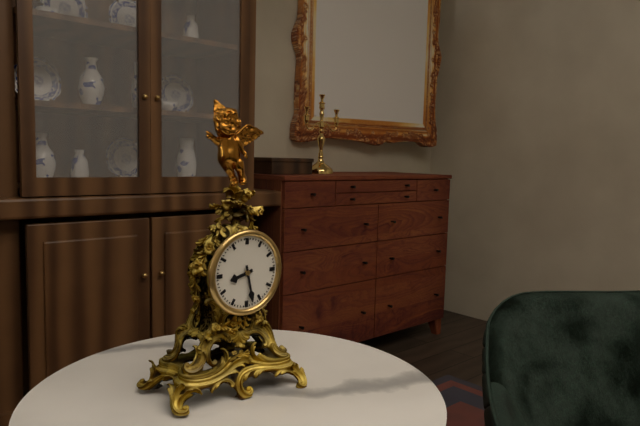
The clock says **8:28**
